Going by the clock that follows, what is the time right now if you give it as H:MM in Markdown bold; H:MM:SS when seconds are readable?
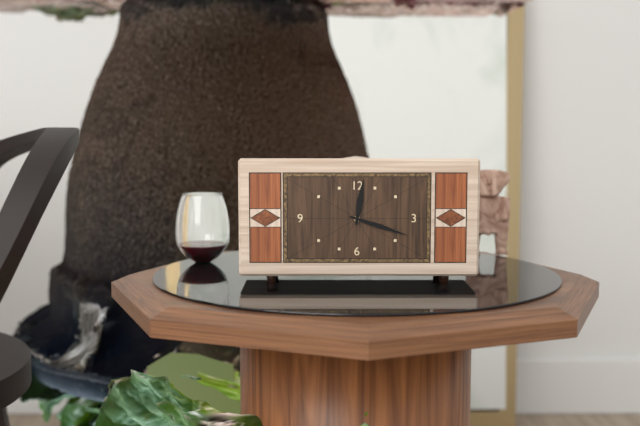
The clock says **12:18**
